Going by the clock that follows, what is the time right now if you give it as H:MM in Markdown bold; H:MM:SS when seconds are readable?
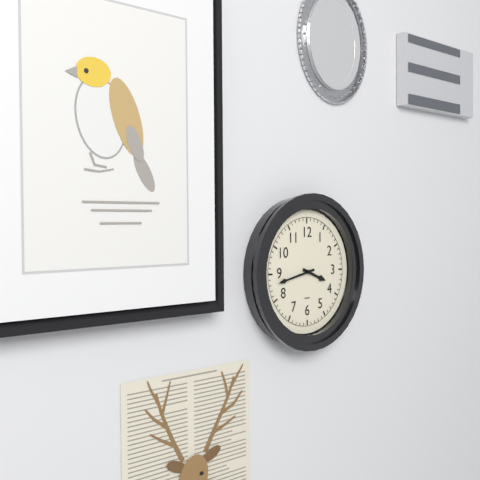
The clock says **3:43**
